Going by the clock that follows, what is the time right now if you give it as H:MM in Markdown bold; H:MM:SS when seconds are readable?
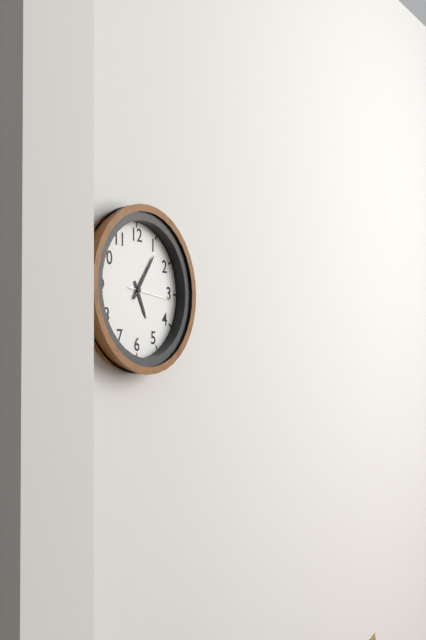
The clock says **5:06**
